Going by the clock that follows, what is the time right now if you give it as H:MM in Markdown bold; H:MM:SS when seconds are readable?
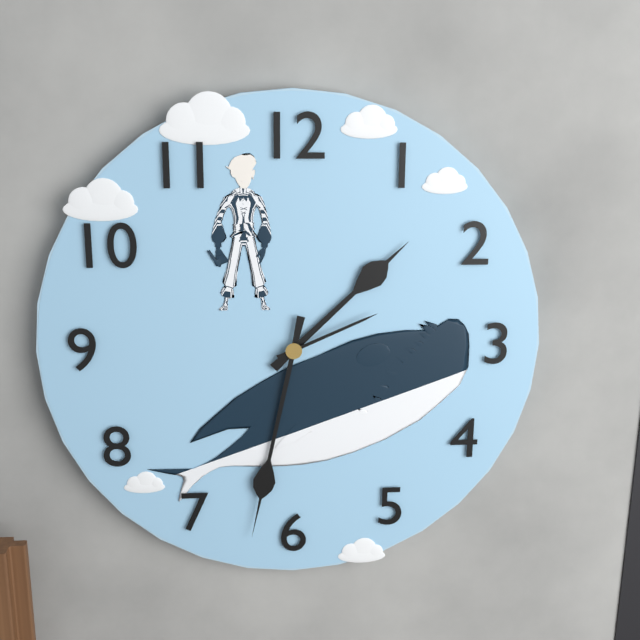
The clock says **1:32:11**
